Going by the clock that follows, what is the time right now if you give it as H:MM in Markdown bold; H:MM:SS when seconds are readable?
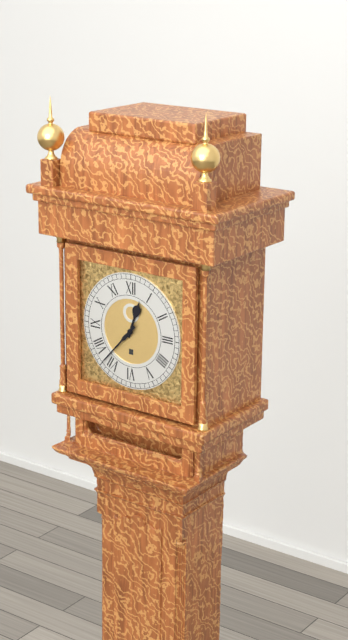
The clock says **12:37**
